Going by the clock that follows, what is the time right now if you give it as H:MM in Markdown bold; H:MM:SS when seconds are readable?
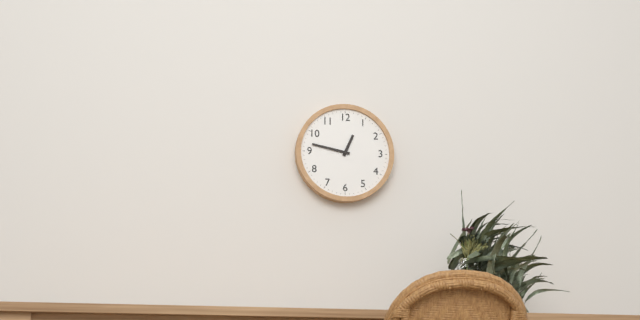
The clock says **12:47**
